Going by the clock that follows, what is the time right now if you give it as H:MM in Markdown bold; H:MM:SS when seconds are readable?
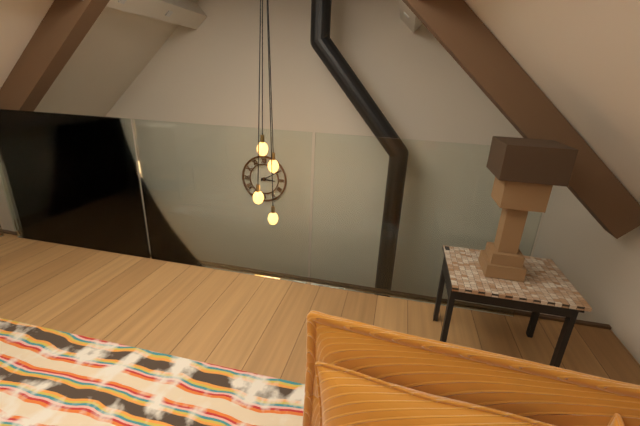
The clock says **3:10**
